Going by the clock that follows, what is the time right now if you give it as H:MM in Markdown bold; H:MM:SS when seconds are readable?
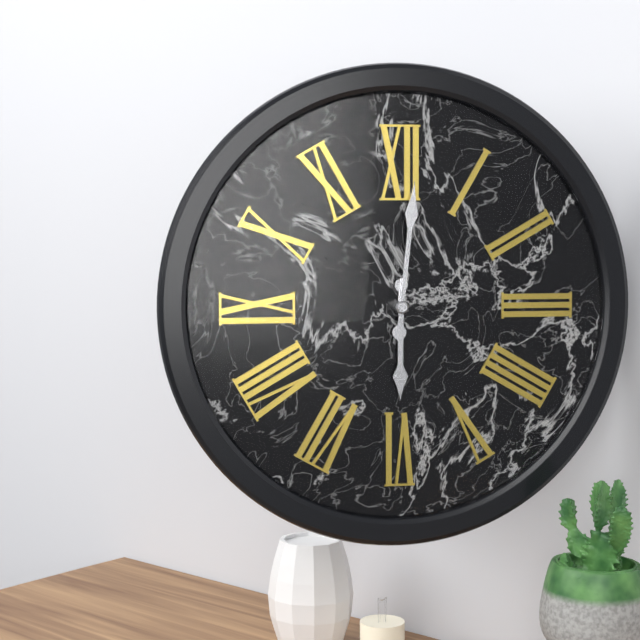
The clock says **6:01**
